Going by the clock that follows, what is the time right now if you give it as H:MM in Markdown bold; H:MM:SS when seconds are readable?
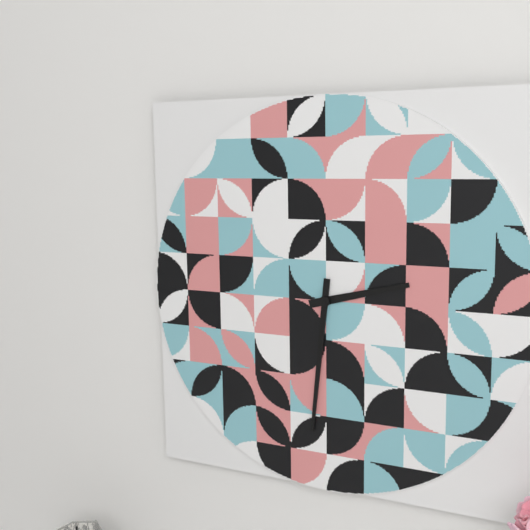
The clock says **2:31**
